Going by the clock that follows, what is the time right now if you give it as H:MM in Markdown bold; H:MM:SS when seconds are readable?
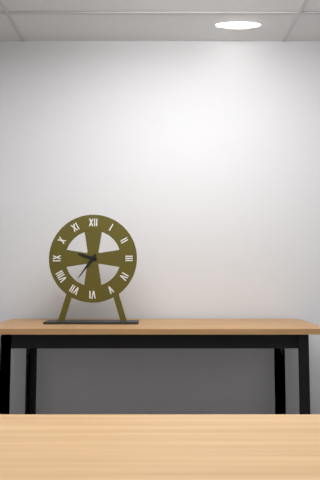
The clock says **9:36**
